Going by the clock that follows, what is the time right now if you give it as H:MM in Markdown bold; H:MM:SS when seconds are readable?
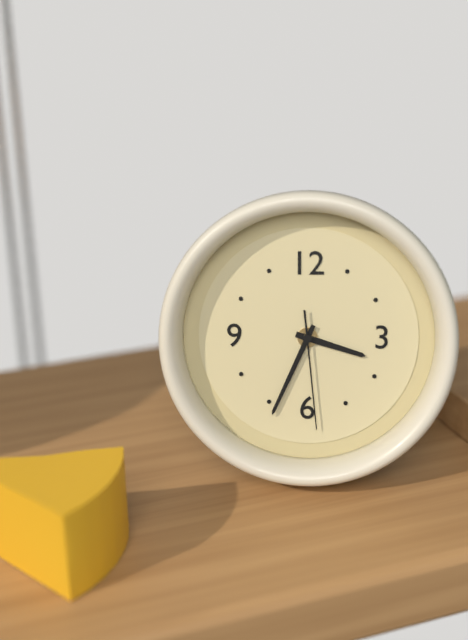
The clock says **3:34:29**
